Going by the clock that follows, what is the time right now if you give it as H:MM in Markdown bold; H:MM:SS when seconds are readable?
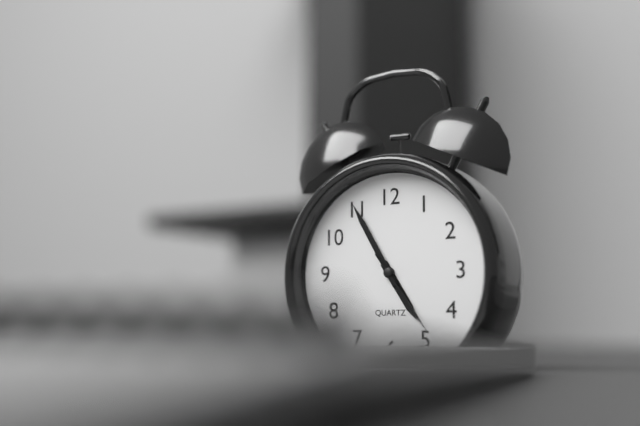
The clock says **4:55:24**
